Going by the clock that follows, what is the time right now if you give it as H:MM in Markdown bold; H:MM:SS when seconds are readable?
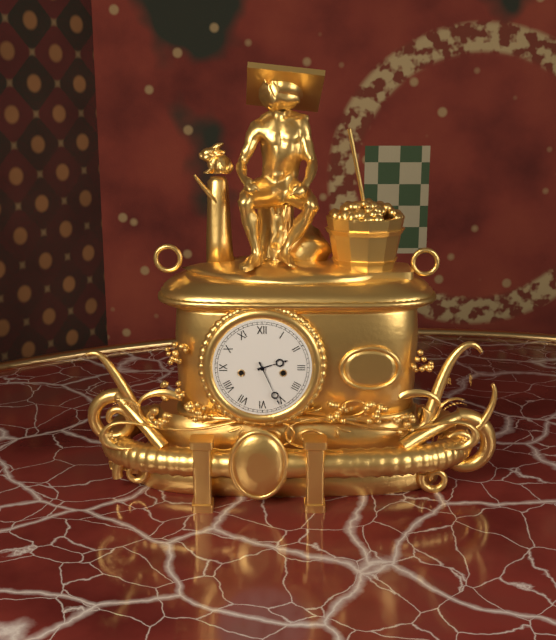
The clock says **2:26**
